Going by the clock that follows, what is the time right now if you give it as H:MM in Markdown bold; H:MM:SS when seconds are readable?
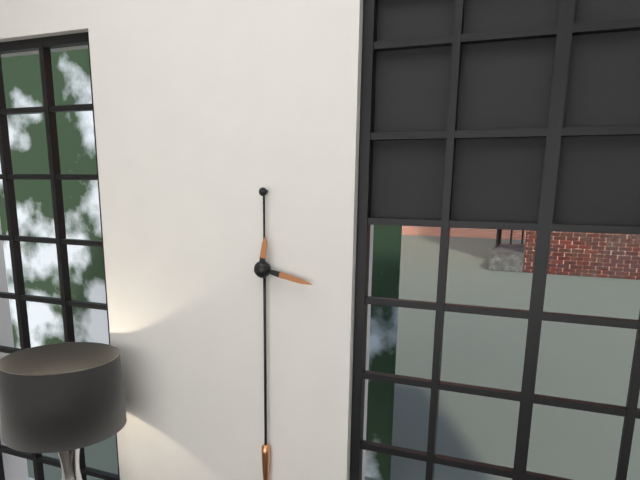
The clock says **12:17**
